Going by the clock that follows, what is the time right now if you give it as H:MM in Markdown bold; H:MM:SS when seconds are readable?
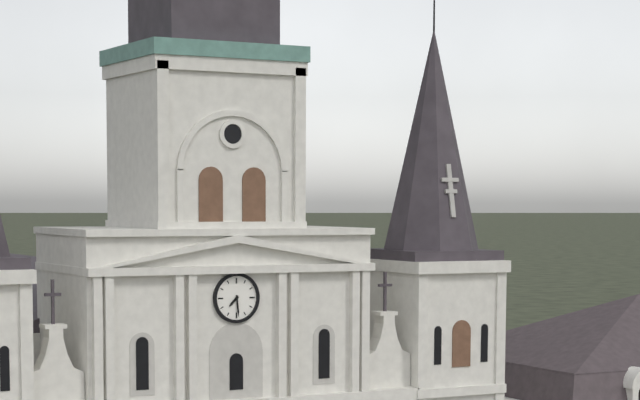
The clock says **7:29**
